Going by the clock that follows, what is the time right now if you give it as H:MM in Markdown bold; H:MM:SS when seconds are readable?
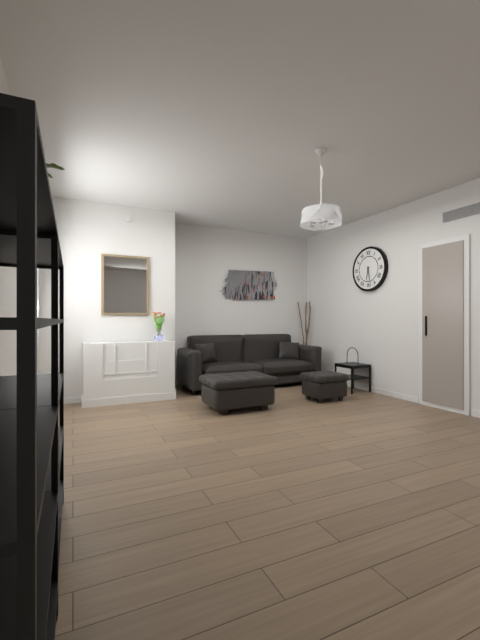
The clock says **6:28**
